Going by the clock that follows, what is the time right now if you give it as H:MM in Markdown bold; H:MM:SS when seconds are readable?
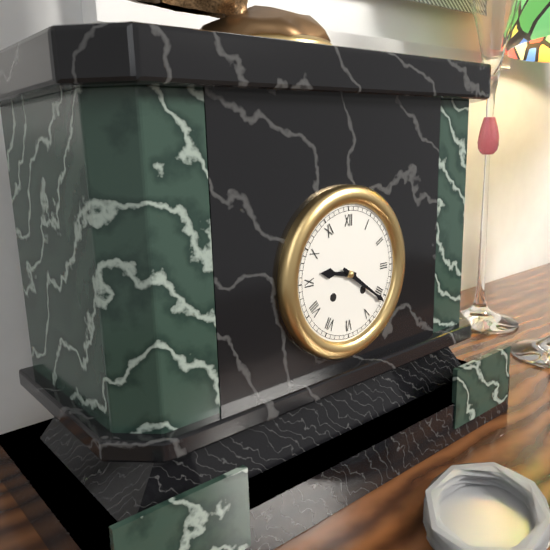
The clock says **9:21**
